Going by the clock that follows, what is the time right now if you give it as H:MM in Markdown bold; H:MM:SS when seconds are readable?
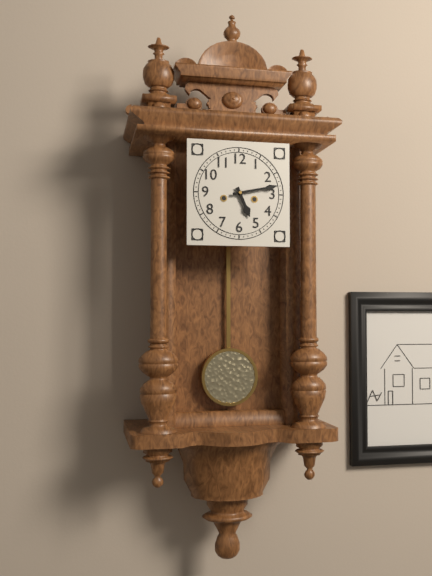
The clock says **5:13**
